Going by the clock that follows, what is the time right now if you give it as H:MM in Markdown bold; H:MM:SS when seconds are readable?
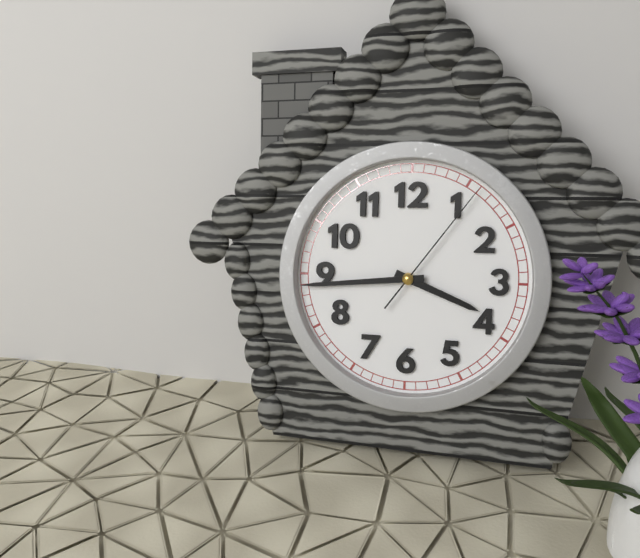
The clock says **3:44:06**
